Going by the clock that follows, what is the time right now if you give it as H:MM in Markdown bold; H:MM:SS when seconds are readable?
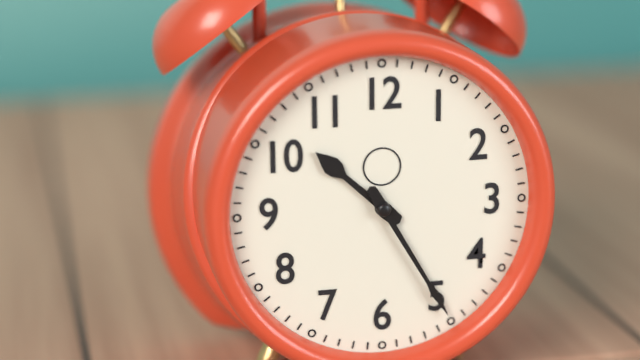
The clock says **10:25**
